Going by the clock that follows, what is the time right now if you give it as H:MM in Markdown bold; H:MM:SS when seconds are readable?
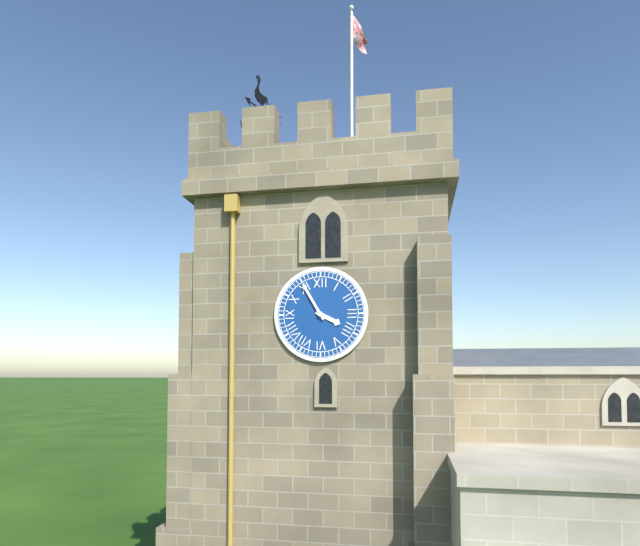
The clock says **3:55**
